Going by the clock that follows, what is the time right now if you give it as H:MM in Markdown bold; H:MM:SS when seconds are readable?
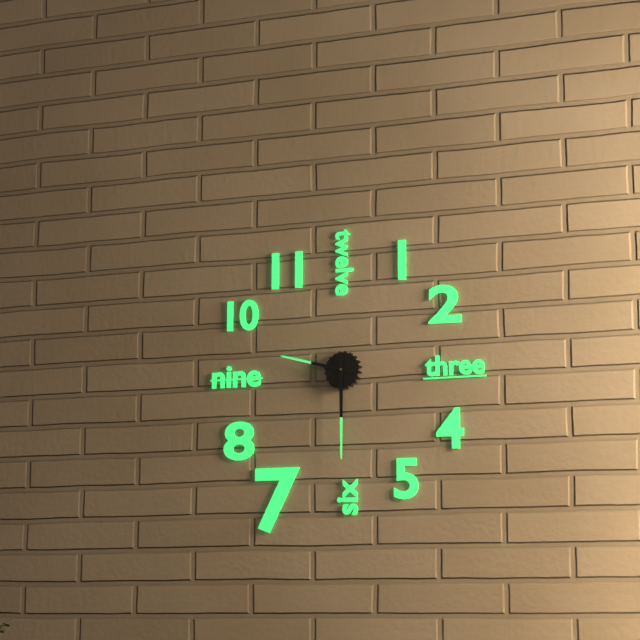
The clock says **9:30**
